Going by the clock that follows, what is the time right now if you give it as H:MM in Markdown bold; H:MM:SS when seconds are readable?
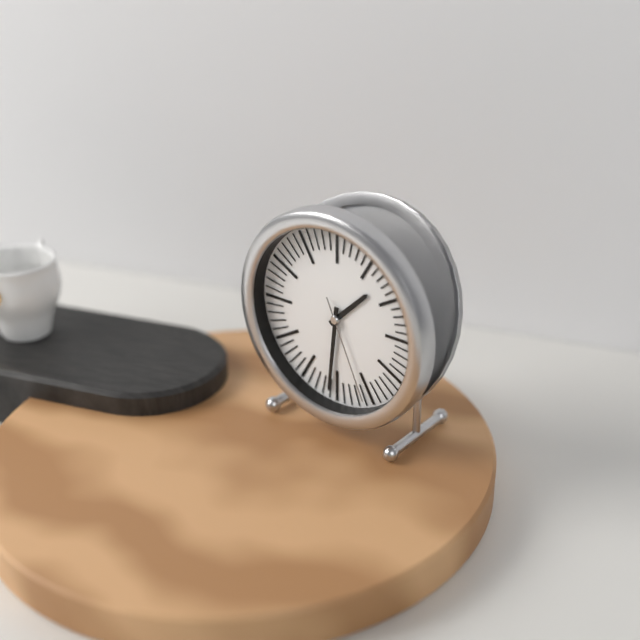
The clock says **1:31:26**
